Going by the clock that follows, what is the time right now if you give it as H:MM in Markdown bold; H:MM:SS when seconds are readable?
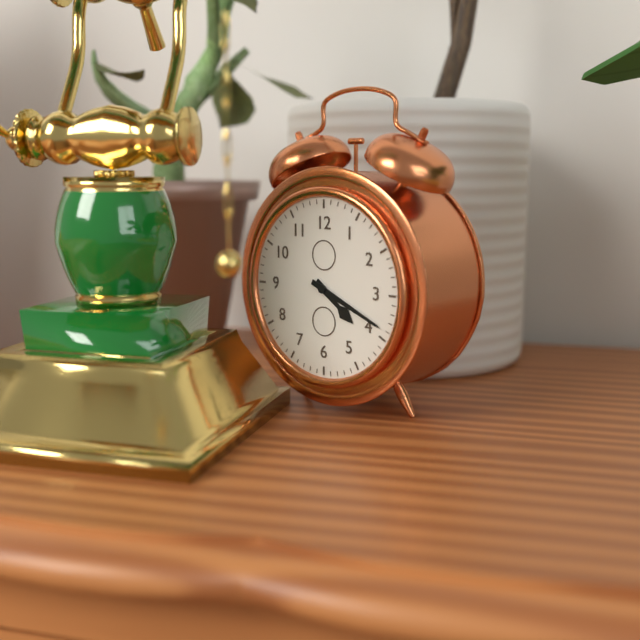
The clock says **4:19**
